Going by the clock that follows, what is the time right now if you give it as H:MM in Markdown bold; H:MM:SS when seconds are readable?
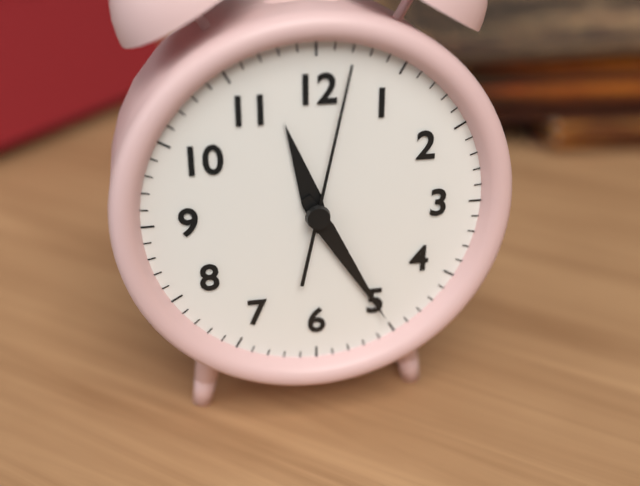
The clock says **11:25:02**
